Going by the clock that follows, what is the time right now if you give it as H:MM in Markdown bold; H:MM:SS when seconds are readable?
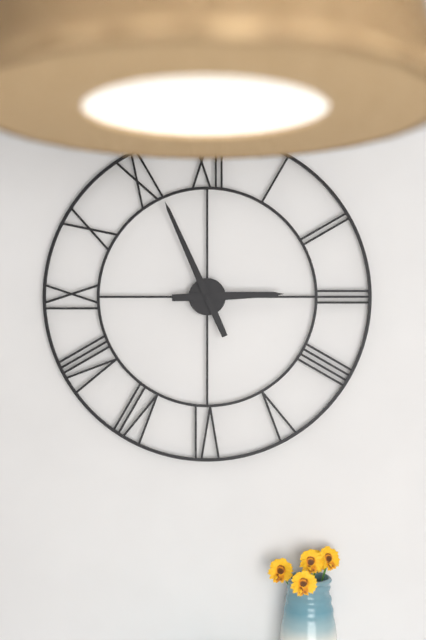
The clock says **2:56**
